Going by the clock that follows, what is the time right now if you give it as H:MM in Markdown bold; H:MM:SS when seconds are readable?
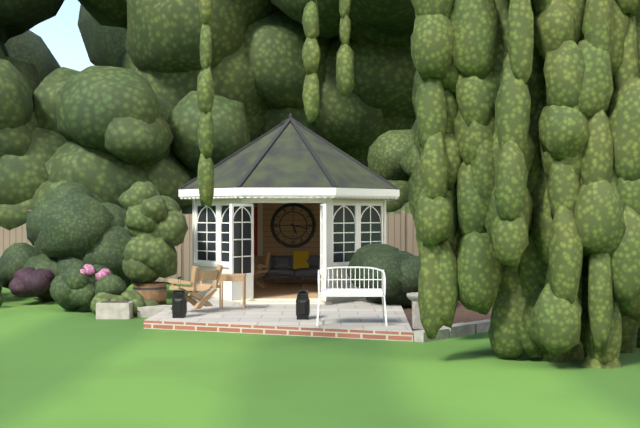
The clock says **5:17**
